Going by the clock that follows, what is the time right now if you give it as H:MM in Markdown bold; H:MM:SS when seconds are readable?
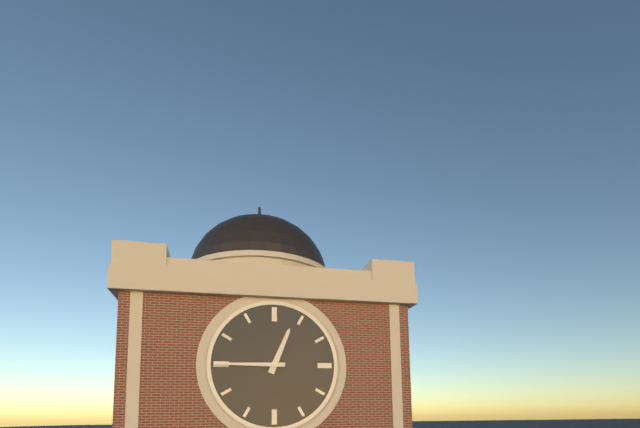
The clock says **12:45**
